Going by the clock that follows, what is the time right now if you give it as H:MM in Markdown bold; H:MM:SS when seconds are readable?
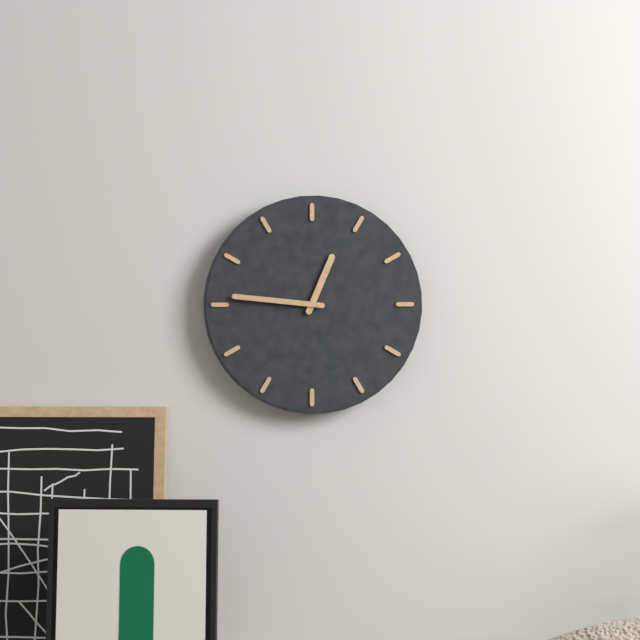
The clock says **12:46**
